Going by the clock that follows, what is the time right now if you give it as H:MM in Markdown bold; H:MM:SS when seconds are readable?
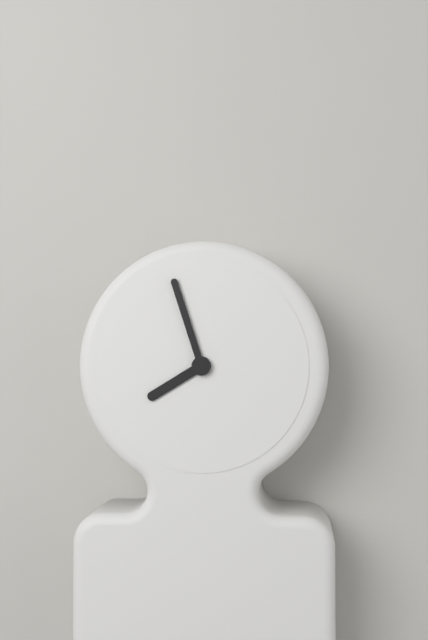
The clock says **7:57**
